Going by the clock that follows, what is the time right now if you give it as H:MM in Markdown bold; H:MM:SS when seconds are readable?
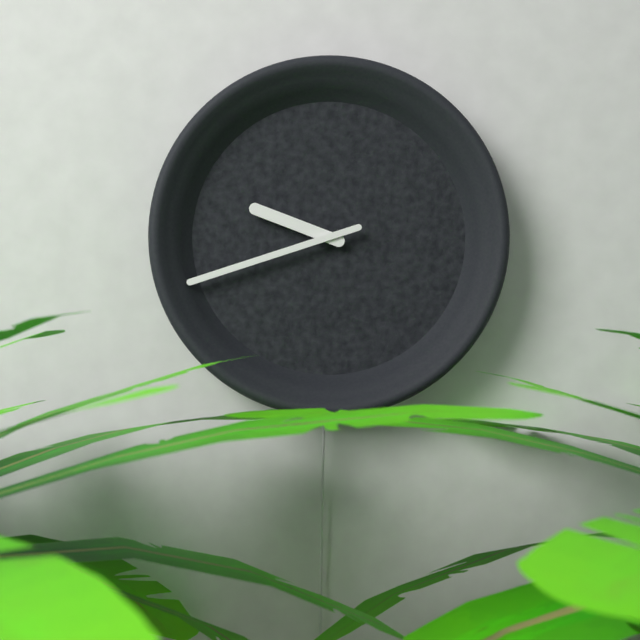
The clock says **9:42**
